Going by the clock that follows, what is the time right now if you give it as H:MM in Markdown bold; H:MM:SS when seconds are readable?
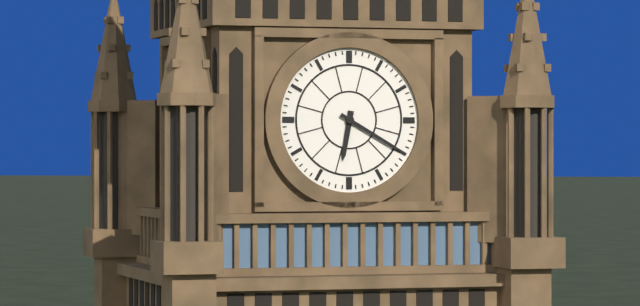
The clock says **6:20**
